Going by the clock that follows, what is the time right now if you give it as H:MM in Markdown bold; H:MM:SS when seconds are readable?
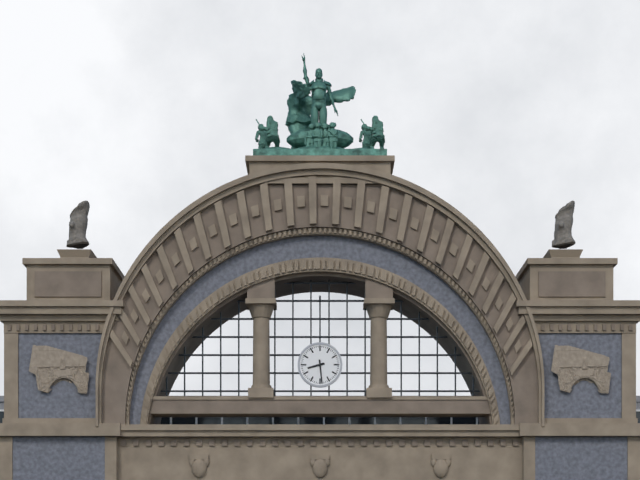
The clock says **8:29**
